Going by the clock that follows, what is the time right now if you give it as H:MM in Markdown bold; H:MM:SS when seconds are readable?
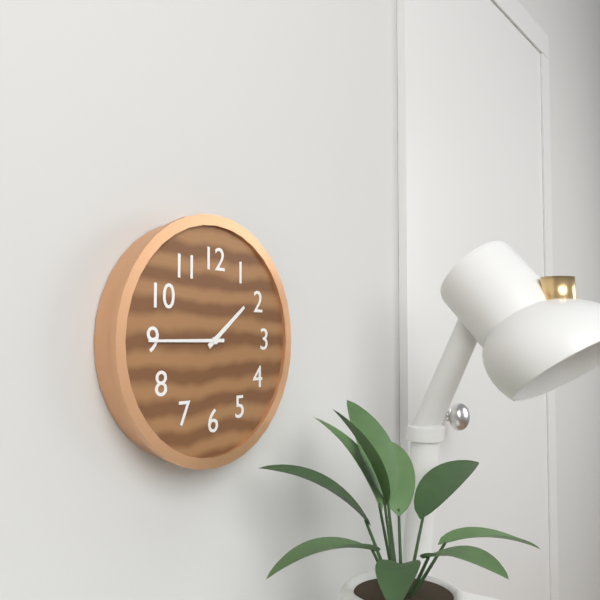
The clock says **1:45**
